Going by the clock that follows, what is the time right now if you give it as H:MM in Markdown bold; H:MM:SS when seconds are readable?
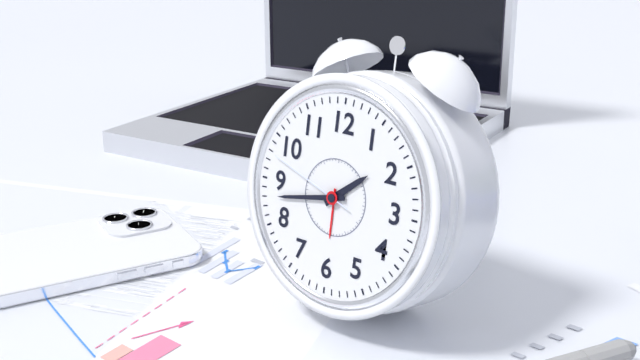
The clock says **1:43:48**
